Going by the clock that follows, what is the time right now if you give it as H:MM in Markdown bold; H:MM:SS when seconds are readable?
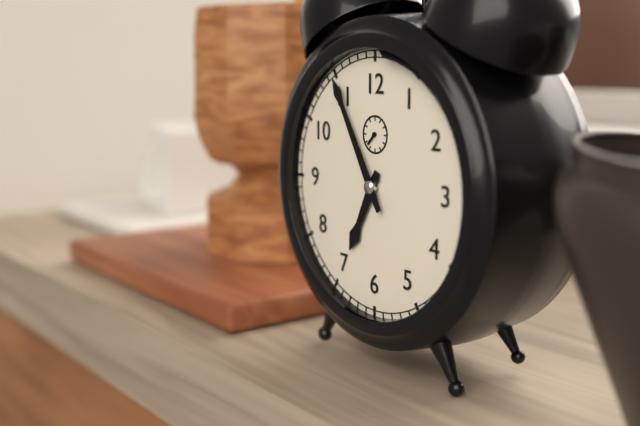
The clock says **6:55**
